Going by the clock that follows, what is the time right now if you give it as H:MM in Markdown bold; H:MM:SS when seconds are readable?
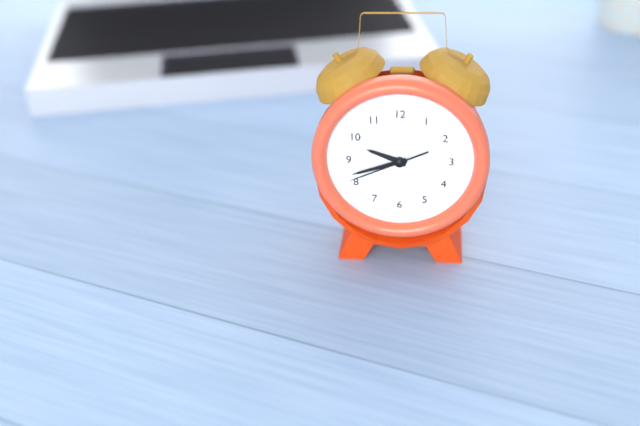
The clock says **9:42:41**
